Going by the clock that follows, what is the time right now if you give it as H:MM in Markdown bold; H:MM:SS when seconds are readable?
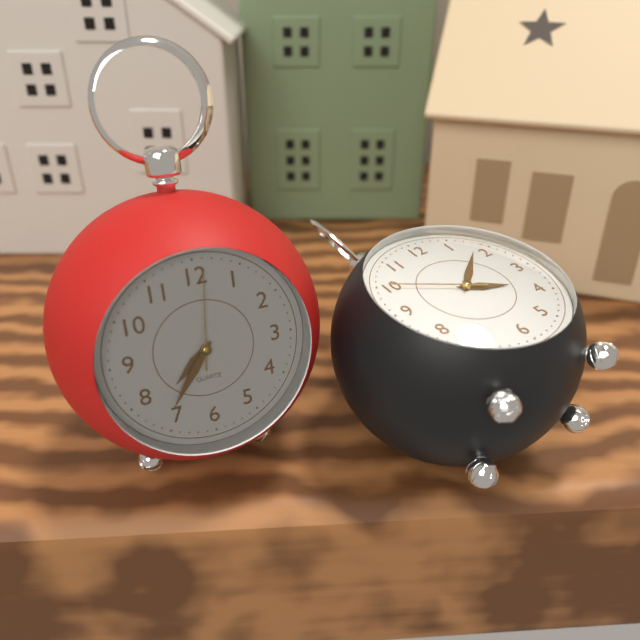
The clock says **7:36:01**
